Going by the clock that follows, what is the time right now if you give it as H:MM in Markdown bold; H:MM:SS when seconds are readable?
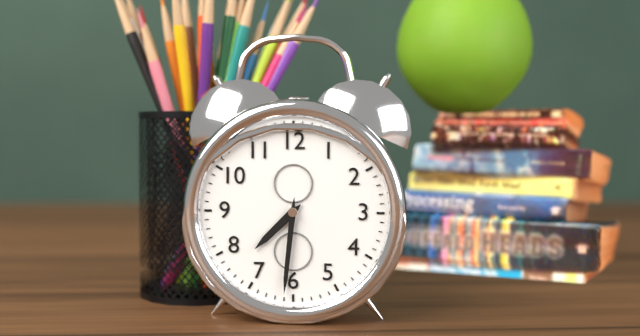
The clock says **7:31**
